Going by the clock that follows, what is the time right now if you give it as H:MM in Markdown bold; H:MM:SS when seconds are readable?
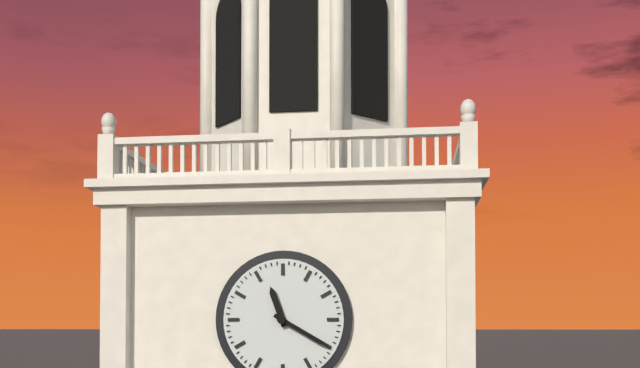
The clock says **11:20**
